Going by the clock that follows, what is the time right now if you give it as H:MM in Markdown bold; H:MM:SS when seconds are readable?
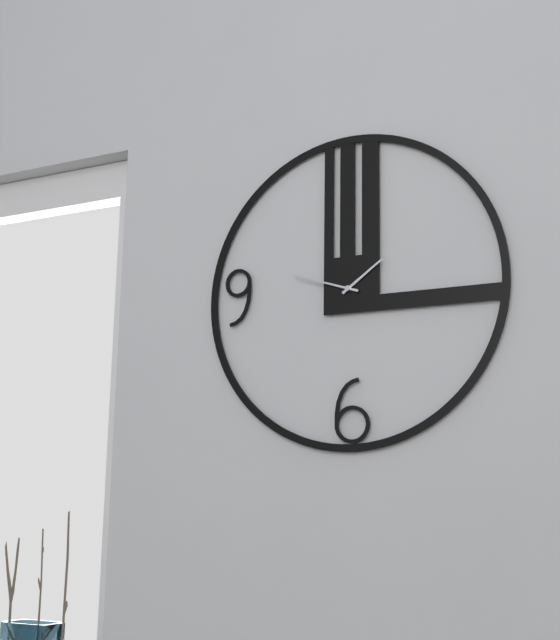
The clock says **1:48**
